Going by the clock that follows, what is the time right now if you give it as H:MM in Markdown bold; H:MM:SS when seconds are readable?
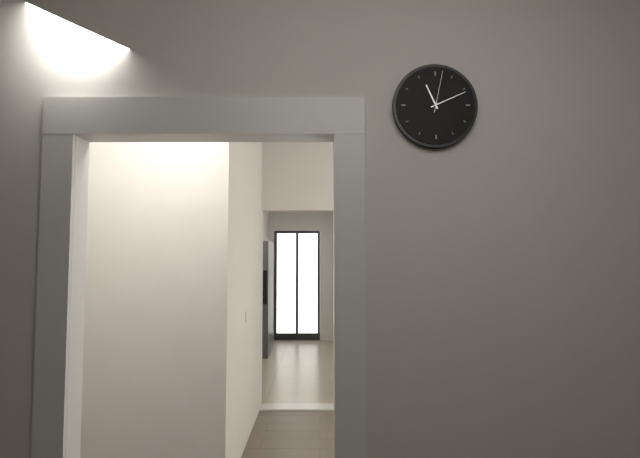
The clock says **11:11**
